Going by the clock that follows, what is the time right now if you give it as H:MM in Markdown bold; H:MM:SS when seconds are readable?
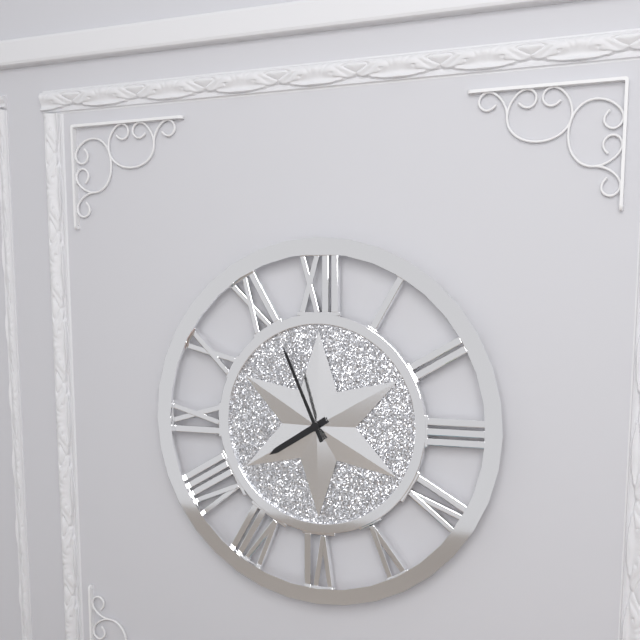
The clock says **7:56**
